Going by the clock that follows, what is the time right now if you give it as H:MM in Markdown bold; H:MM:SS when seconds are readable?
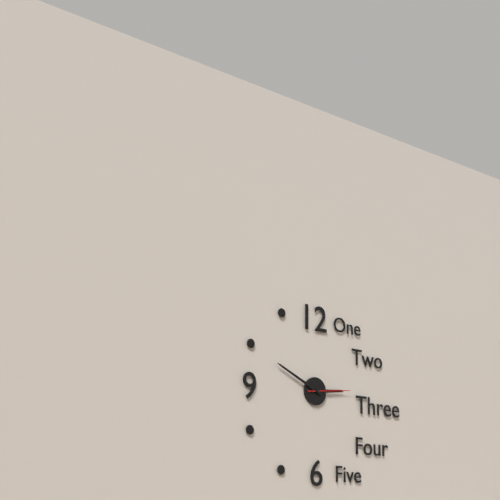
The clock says **2:49**
